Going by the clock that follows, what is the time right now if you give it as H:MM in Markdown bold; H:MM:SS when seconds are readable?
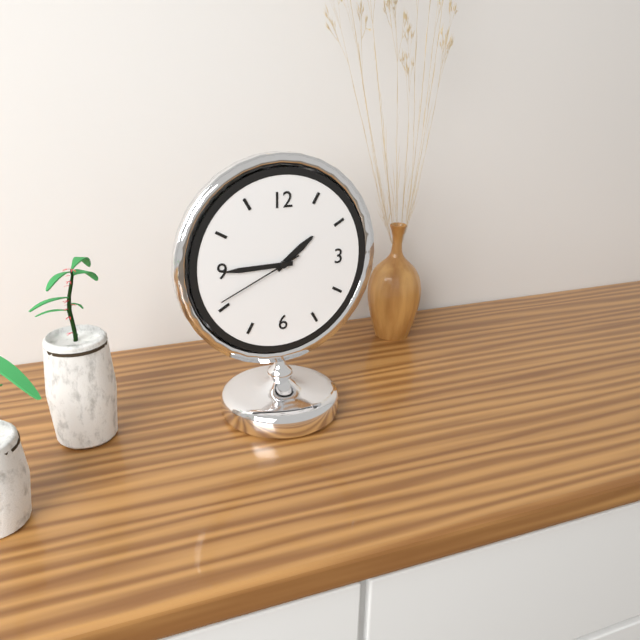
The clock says **1:45:41**
